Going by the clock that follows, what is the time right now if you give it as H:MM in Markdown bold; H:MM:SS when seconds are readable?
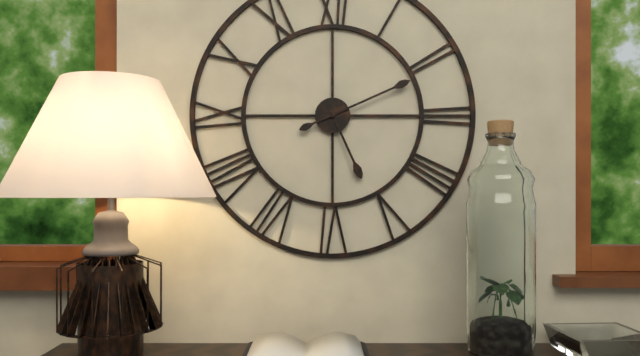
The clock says **5:11**
